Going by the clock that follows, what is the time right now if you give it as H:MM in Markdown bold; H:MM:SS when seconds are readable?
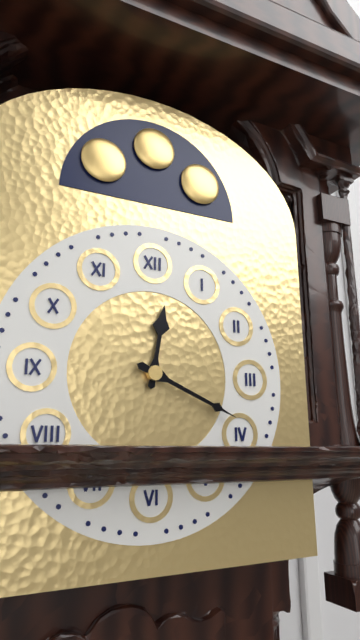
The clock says **12:19**
